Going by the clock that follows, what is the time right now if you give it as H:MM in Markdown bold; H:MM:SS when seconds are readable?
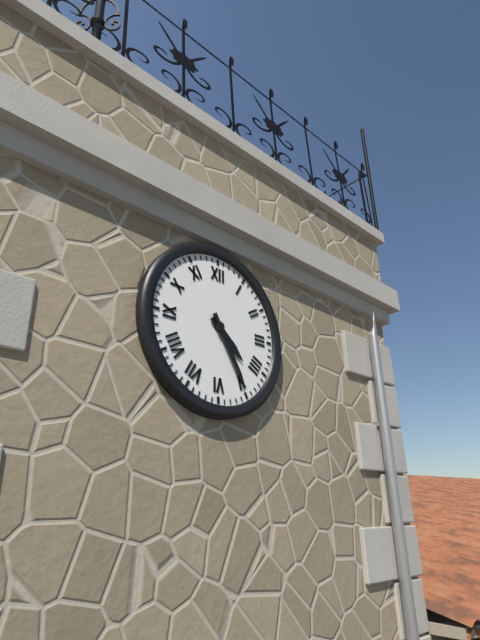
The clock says **4:25**
